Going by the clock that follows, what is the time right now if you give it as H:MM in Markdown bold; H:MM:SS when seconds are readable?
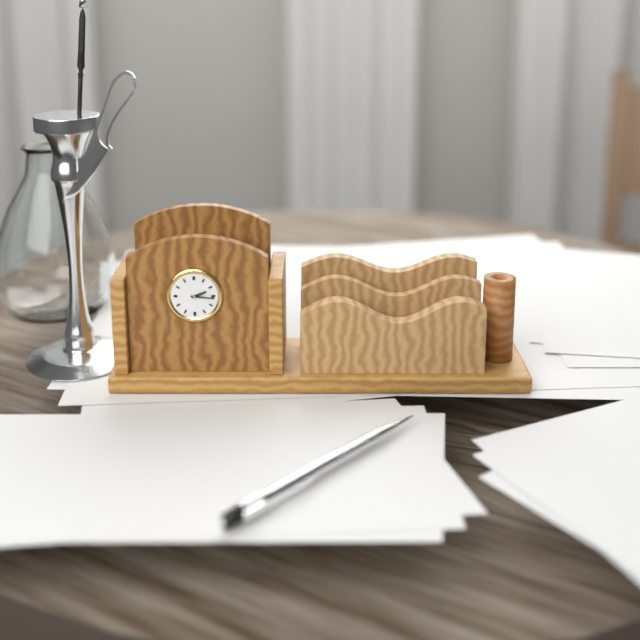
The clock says **2:16**
